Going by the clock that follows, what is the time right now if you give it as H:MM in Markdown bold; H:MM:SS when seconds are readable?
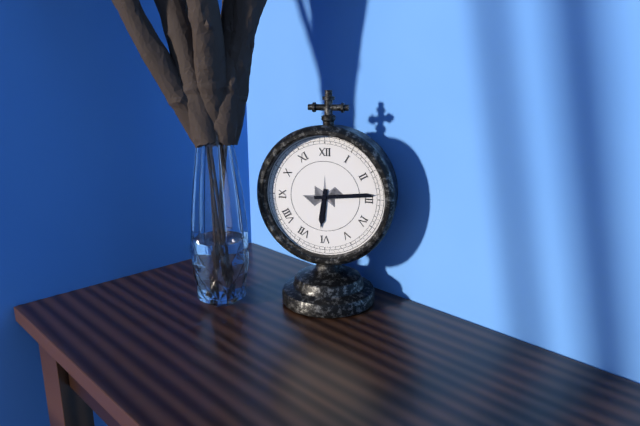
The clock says **6:14**
